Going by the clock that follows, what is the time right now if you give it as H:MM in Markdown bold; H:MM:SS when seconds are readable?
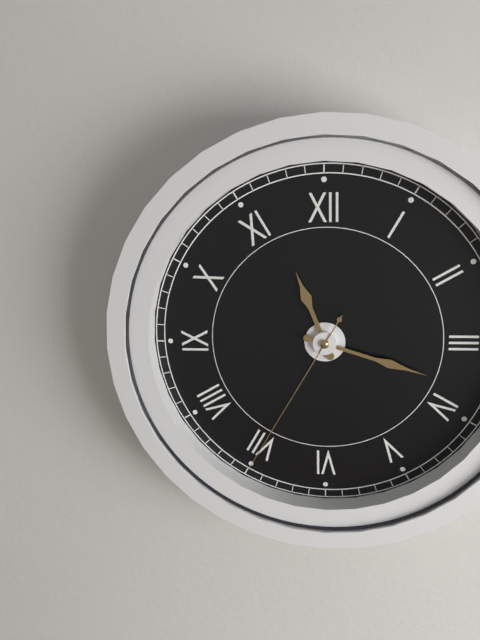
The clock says **11:18:35**
